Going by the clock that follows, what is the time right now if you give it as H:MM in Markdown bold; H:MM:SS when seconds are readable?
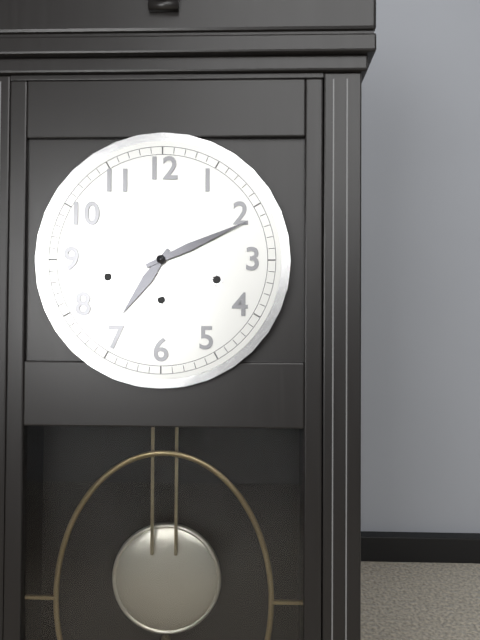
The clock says **7:11**
